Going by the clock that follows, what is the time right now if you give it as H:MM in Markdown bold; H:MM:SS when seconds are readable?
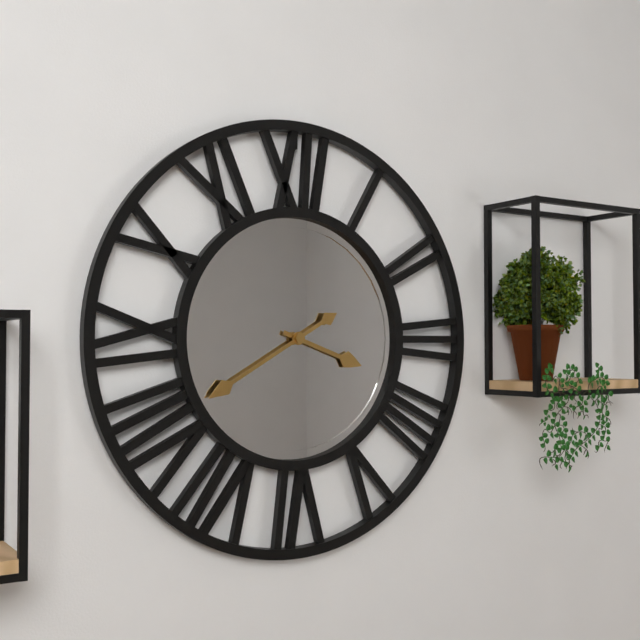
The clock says **3:40**
